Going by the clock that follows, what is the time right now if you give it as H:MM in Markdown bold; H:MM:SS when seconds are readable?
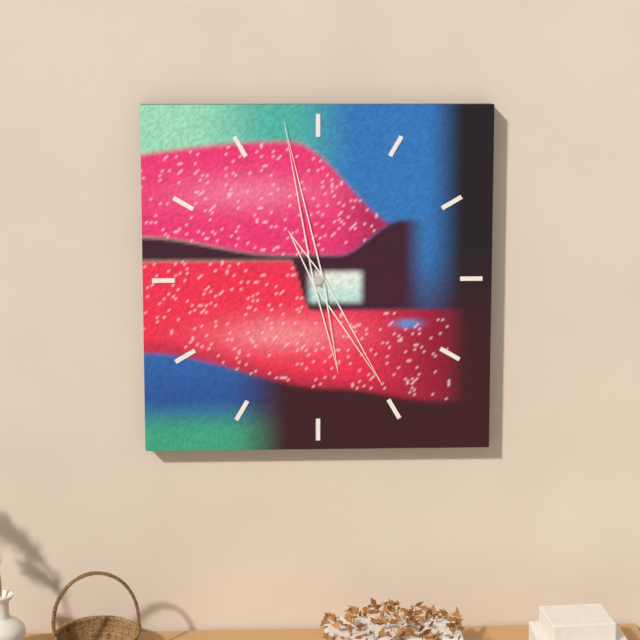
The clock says **4:58**
